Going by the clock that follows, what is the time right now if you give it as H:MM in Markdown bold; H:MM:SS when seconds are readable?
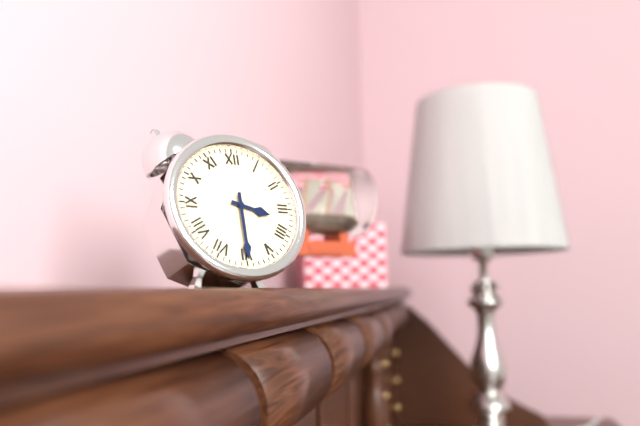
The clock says **3:30**
